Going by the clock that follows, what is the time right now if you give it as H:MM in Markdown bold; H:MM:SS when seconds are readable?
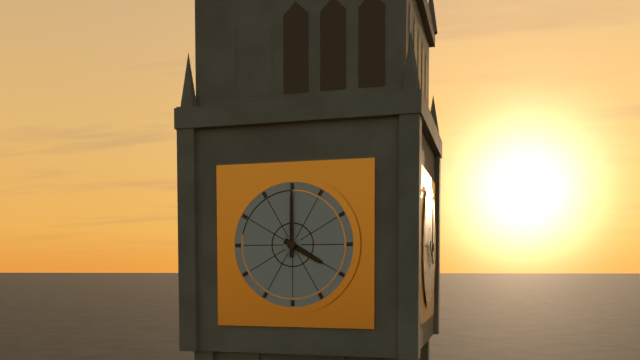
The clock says **4:00**
